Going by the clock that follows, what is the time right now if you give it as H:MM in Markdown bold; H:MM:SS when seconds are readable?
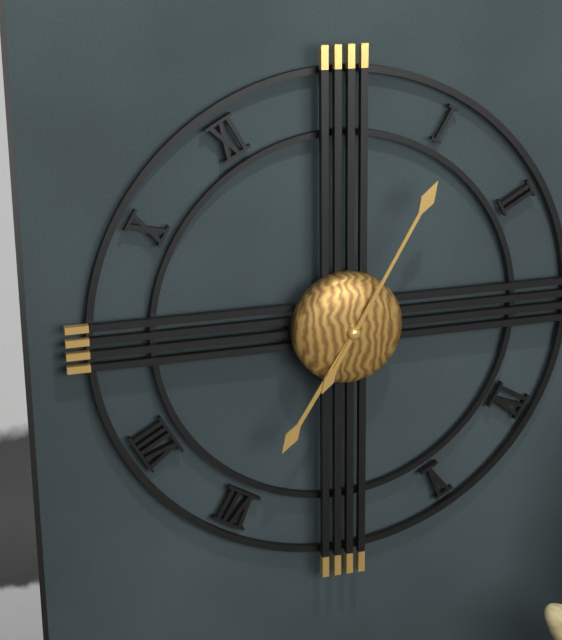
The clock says **7:05**
